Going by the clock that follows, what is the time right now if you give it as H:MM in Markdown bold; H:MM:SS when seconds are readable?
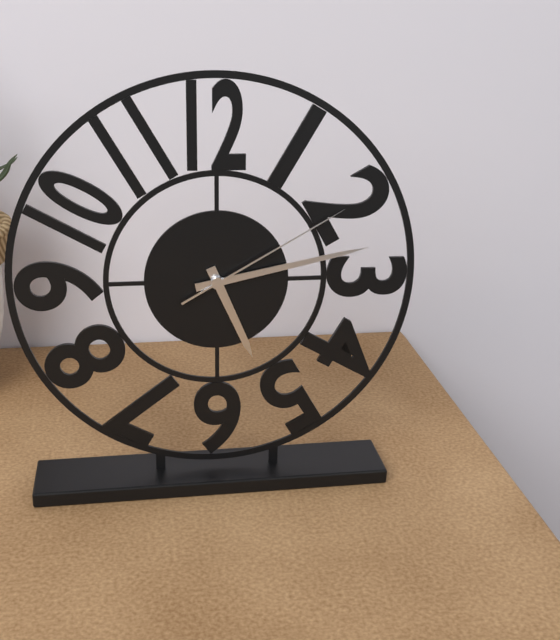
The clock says **5:13:10**
